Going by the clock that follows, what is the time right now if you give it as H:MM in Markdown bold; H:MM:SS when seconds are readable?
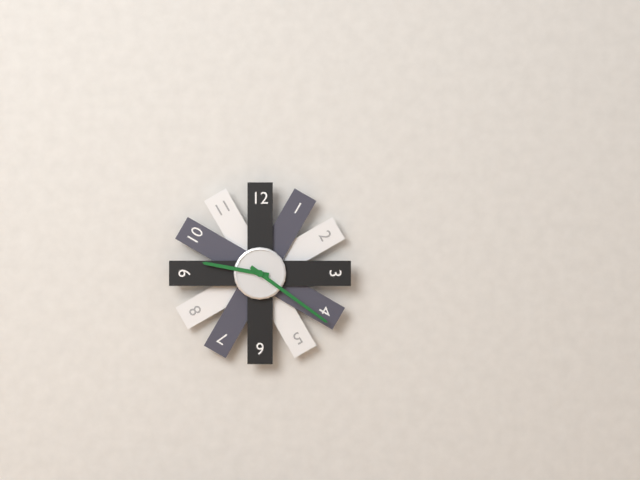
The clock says **9:21**
